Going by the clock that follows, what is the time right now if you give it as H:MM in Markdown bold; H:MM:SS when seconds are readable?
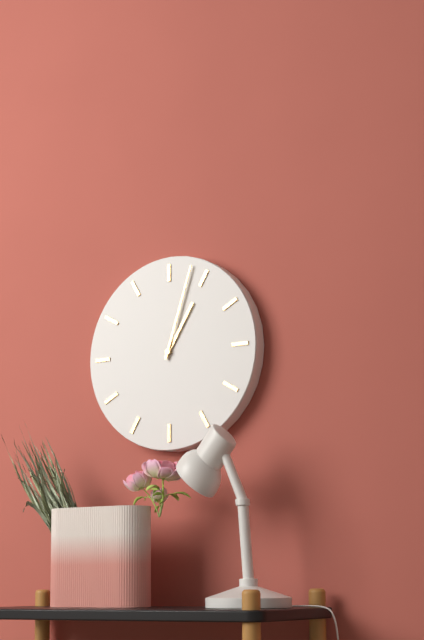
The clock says **1:03**
